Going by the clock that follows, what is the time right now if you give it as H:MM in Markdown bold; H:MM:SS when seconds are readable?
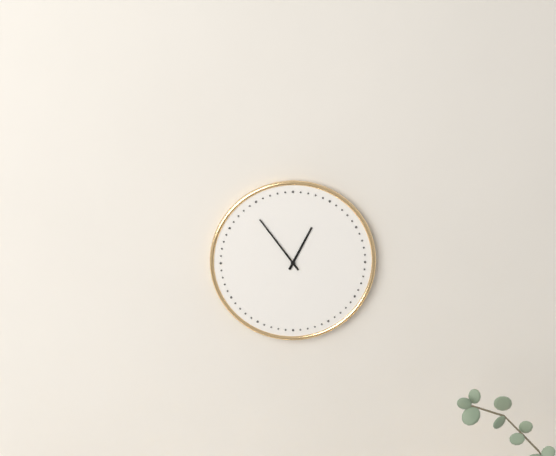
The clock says **12:54**
